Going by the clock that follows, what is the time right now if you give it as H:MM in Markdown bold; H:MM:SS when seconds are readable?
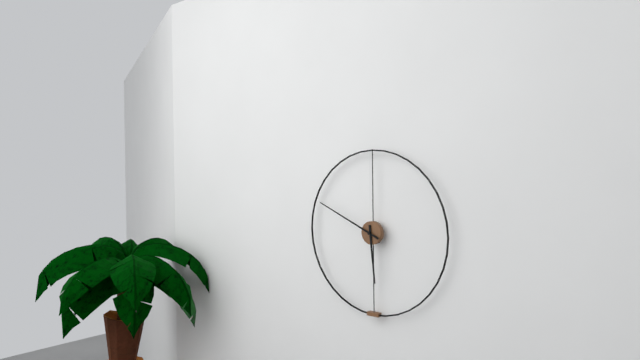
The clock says **5:49**
